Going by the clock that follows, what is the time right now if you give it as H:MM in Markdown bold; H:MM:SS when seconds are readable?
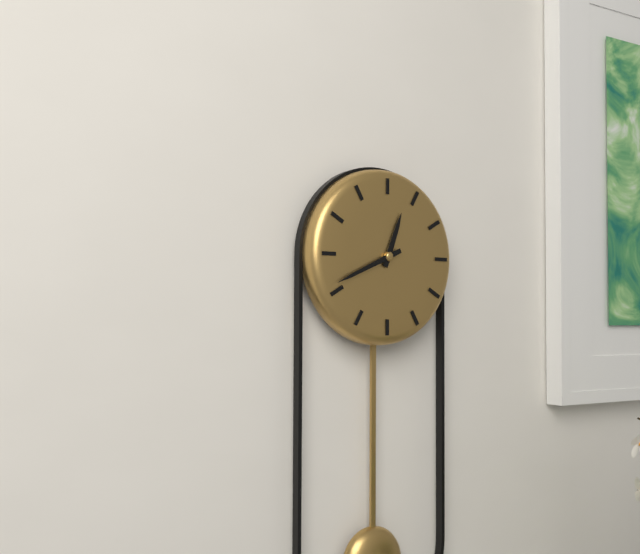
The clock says **12:41**
